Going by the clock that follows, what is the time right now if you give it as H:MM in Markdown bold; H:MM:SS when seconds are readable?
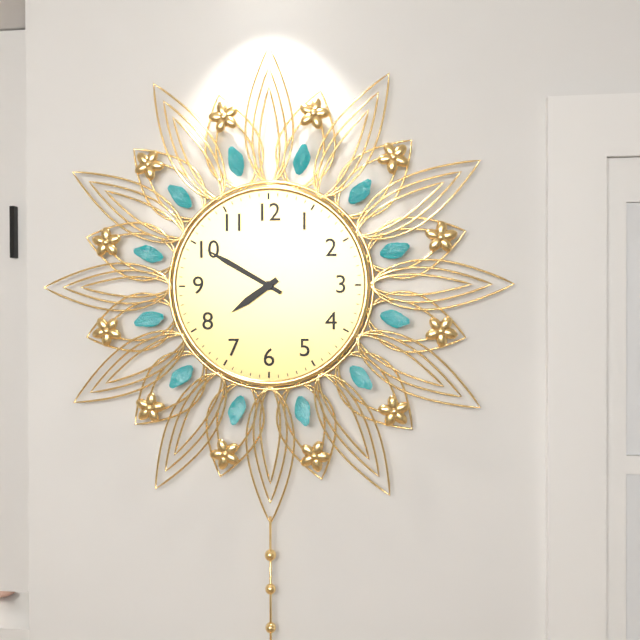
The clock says **7:50**
